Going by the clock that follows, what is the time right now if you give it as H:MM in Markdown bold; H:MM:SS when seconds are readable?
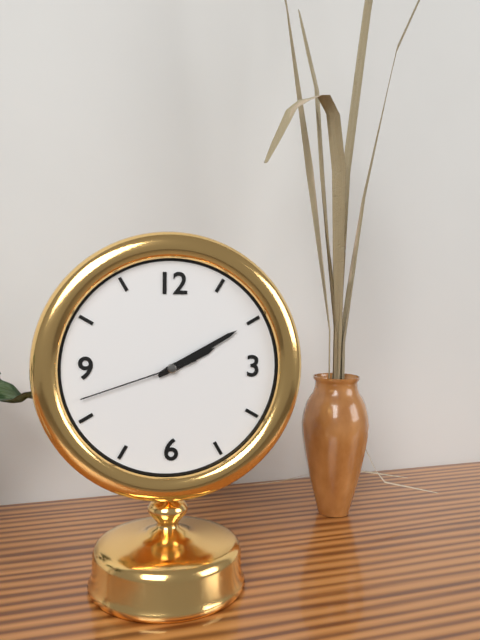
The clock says **2:10:42**
